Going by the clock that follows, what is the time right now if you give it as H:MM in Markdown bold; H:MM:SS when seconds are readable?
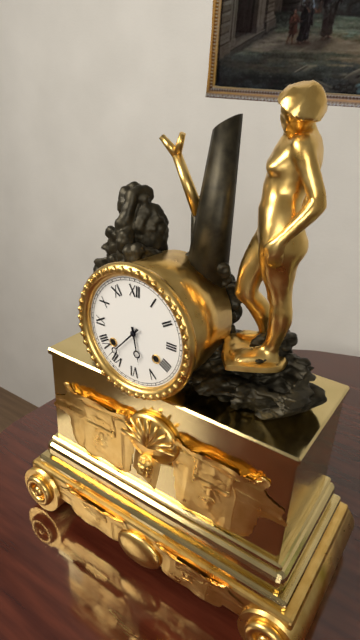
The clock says **5:37**
